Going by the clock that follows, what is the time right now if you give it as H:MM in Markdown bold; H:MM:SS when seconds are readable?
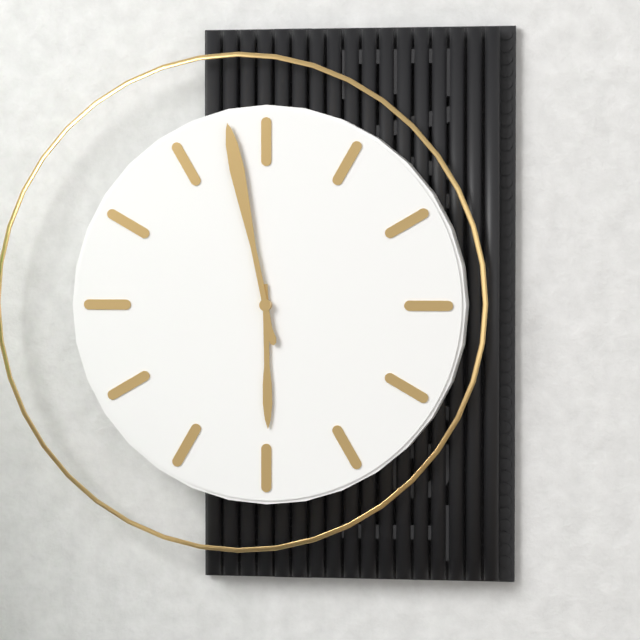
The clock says **5:58**
